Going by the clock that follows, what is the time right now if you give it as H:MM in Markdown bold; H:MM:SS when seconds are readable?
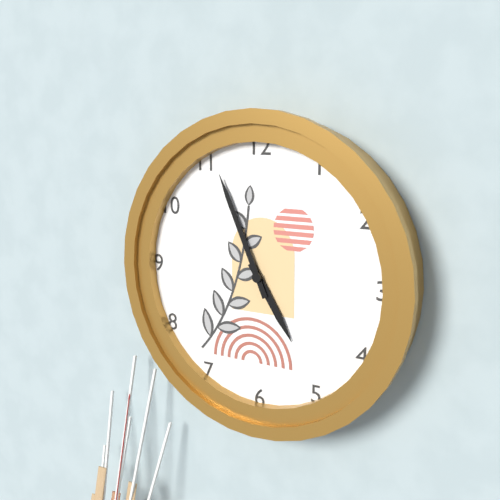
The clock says **4:56**
